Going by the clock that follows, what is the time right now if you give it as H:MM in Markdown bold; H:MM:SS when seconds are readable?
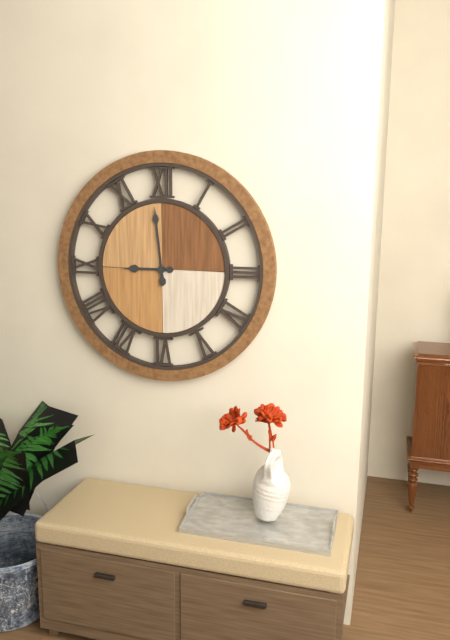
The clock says **8:59**
